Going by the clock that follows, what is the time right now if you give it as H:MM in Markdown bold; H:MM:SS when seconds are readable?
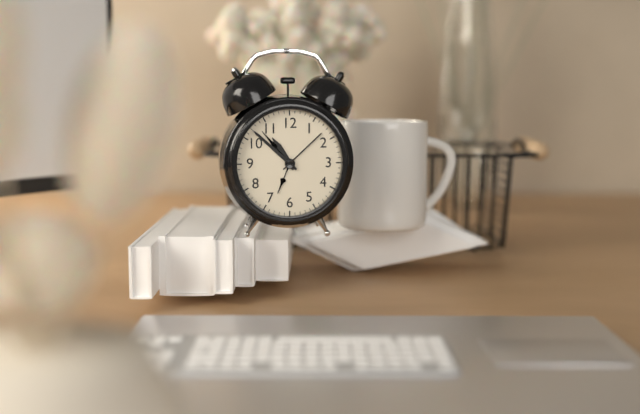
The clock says **10:52**
